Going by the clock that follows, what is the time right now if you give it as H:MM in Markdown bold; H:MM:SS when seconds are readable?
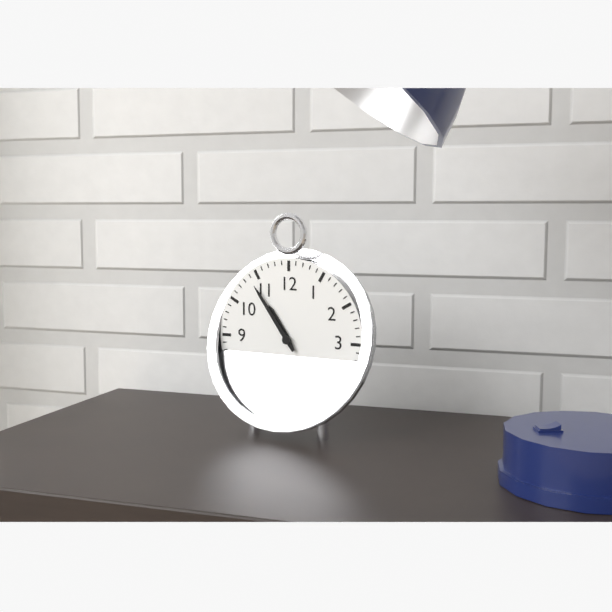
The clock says **10:54**
